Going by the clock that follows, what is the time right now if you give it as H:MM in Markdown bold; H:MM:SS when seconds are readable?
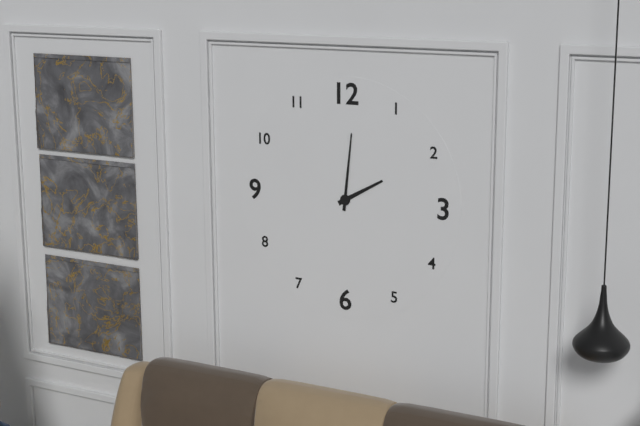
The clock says **2:01**
